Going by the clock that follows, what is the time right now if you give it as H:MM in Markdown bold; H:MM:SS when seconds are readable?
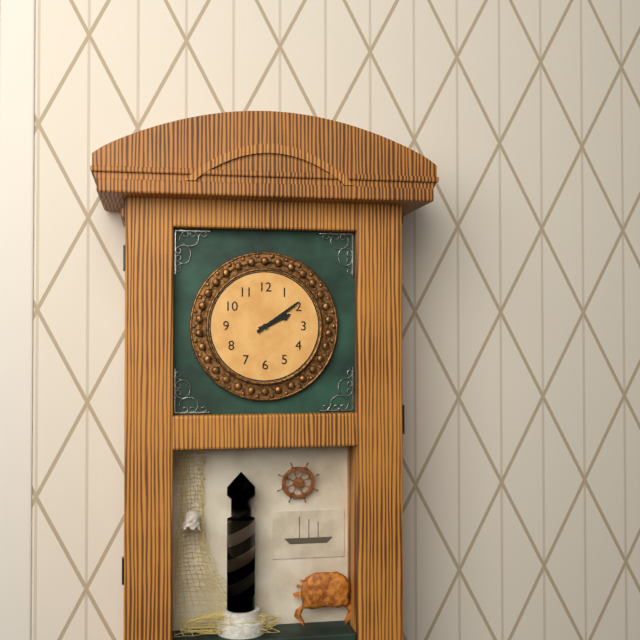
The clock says **2:09**
